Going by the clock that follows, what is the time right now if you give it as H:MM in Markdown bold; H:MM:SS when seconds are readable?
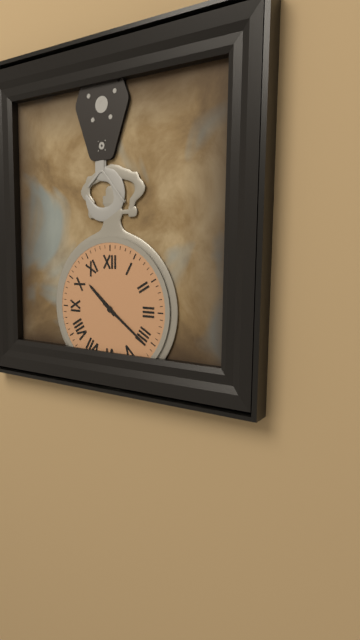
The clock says **10:21**
